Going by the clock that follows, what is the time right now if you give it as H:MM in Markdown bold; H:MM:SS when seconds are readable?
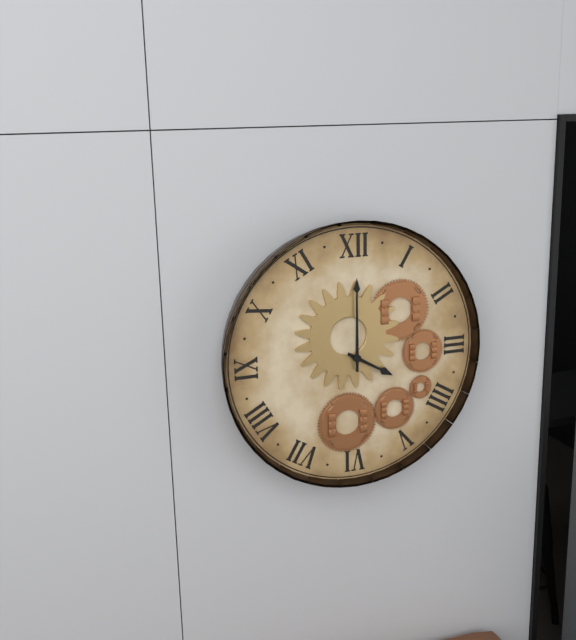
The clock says **4:00**
